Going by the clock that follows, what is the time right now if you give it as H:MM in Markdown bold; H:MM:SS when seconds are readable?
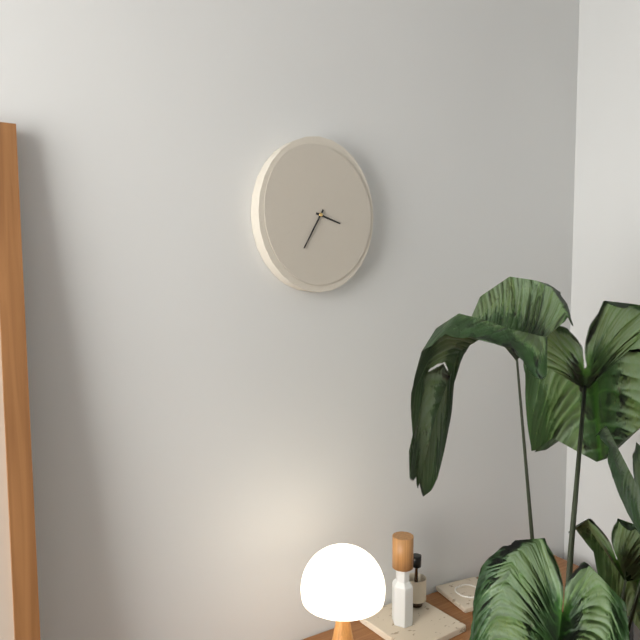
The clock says **3:35**
